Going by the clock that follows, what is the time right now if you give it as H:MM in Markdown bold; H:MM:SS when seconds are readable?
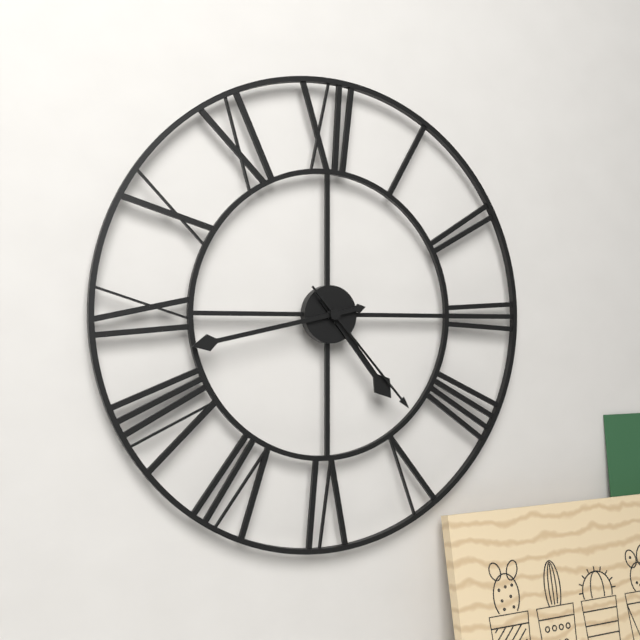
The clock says **4:43:23**
